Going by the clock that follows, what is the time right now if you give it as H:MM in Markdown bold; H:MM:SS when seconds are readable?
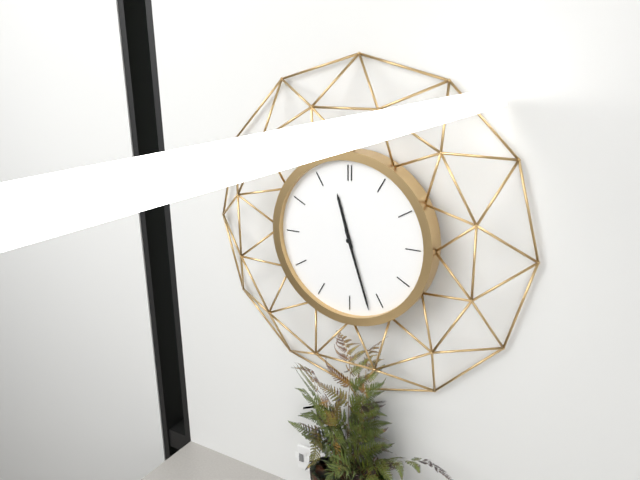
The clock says **11:27**
